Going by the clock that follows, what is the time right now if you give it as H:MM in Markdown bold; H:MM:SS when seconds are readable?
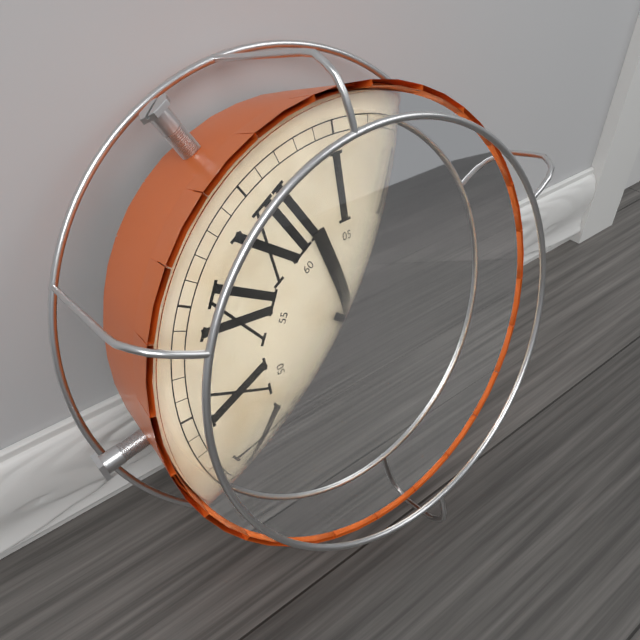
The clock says **12:27**
